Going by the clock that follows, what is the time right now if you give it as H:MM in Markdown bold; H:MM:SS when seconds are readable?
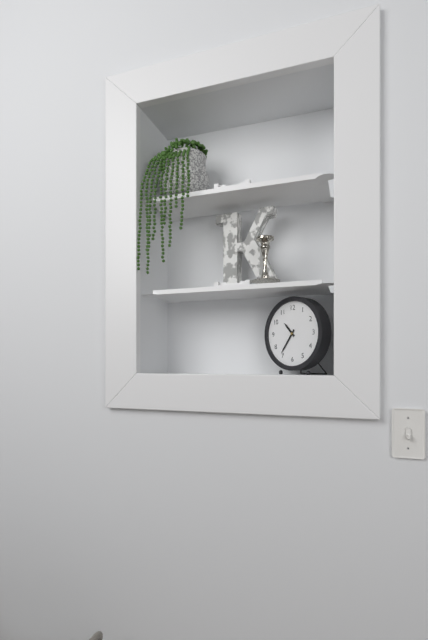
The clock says **10:36**
